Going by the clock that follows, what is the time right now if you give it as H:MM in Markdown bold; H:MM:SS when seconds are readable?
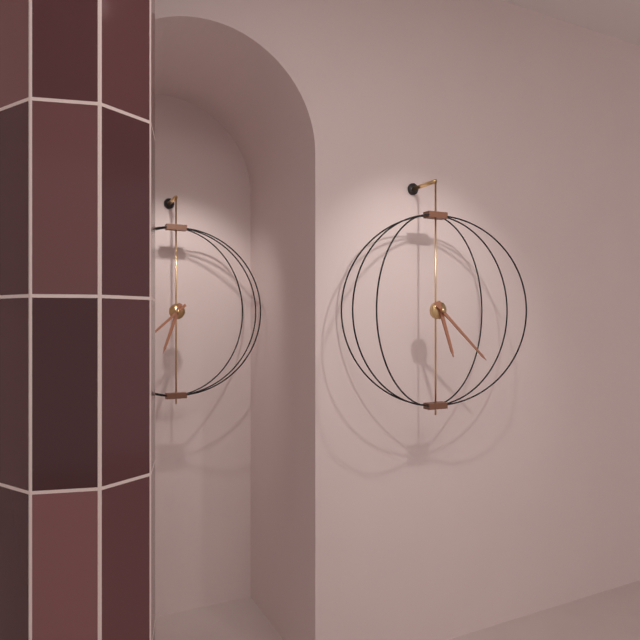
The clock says **5:22**
